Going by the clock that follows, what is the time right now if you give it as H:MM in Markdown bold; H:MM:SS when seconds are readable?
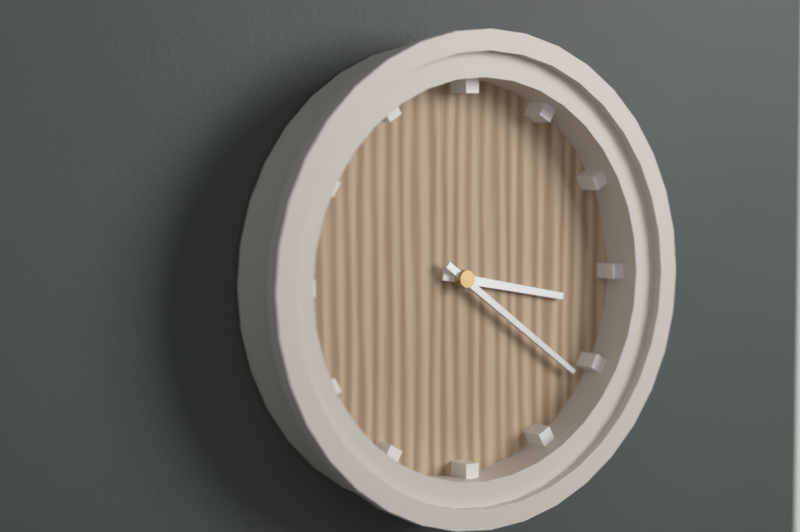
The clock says **3:21**
